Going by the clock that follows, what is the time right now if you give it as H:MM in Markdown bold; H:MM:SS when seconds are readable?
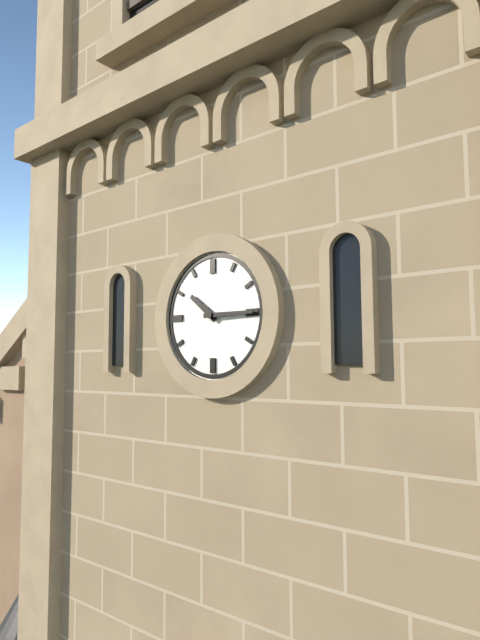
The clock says **10:15**
